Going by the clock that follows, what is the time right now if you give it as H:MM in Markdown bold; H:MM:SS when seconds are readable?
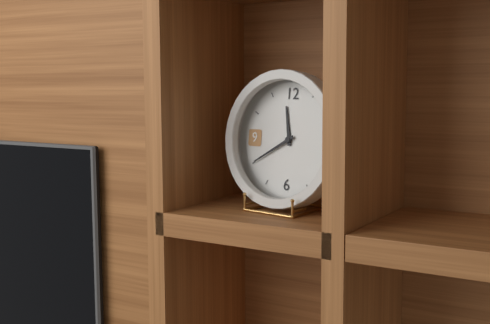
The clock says **11:40**
